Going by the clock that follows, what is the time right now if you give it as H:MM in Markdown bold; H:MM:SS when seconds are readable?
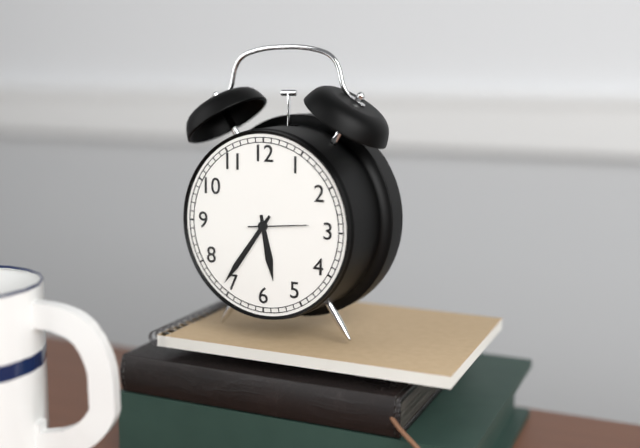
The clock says **5:36:14**
